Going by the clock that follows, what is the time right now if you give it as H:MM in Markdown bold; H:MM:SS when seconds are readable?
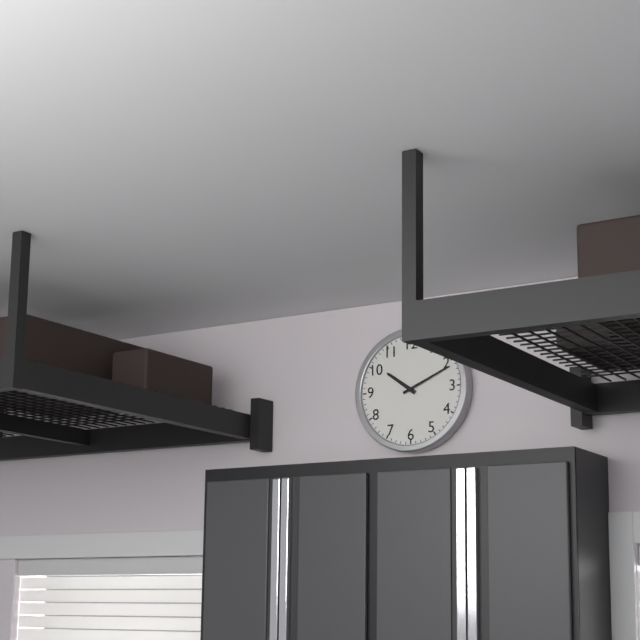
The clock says **10:11**
